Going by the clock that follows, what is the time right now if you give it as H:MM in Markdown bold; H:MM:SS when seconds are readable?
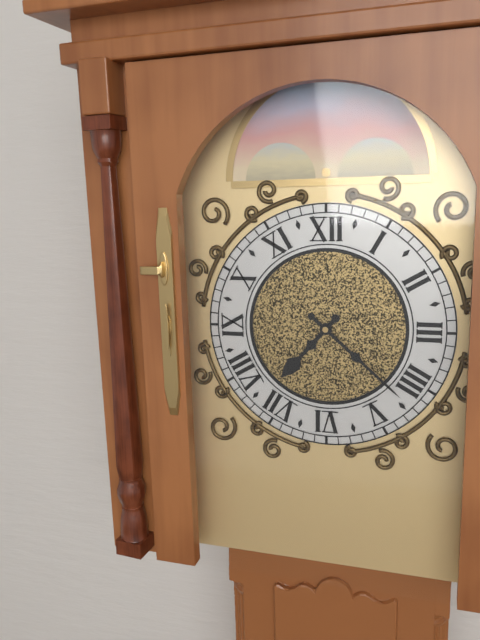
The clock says **7:22**
